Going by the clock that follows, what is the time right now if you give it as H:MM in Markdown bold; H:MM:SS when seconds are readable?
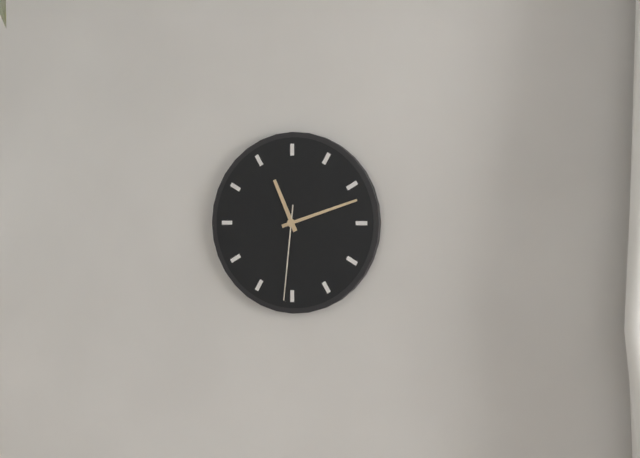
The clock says **11:12:31**
